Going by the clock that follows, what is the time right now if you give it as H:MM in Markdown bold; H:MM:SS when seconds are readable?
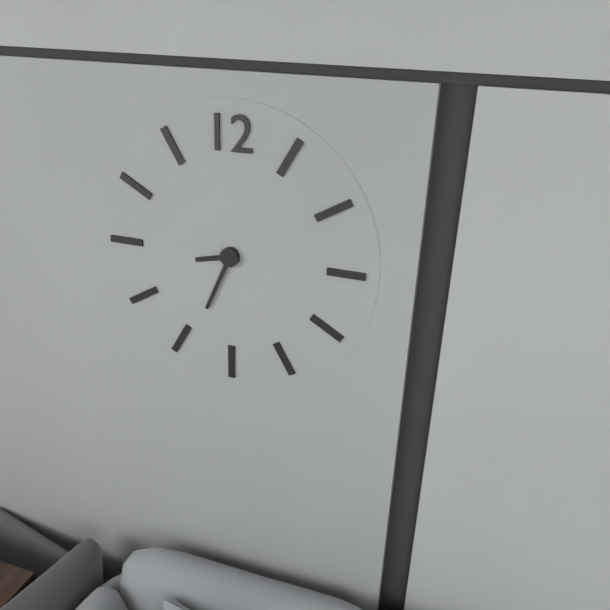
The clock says **8:34**
